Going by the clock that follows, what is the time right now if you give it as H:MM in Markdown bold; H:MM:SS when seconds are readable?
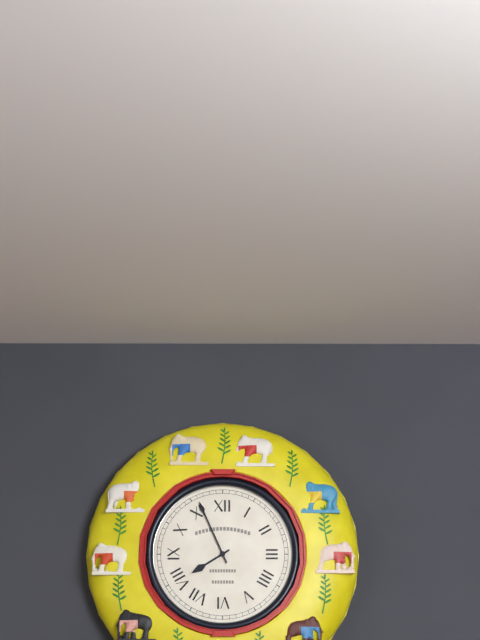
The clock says **7:56**
